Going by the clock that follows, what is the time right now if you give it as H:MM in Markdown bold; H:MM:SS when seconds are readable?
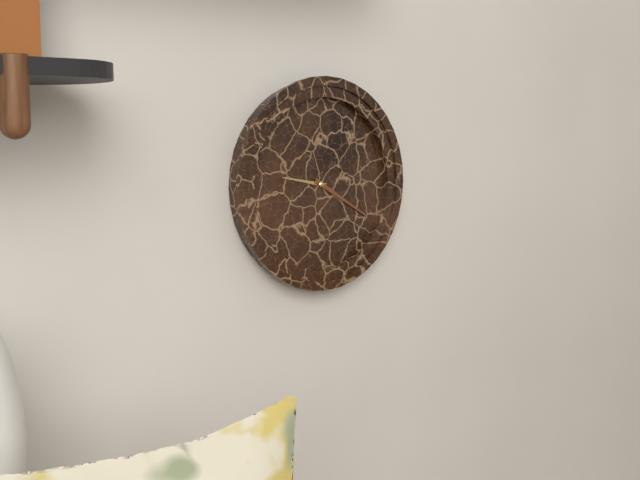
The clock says **9:20**
